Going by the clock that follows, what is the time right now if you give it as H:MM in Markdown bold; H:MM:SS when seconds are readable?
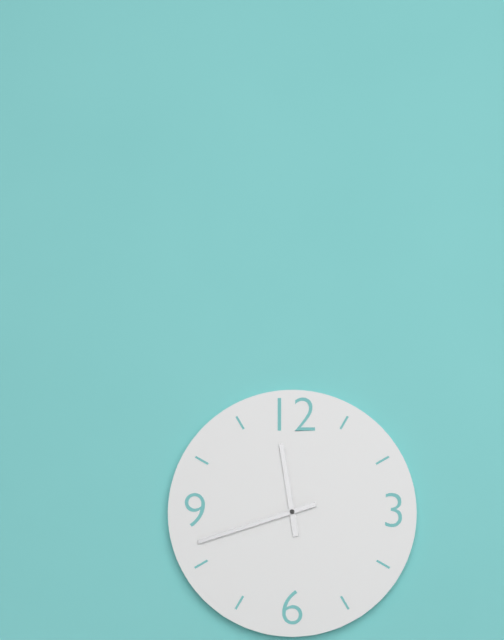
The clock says **11:42**
